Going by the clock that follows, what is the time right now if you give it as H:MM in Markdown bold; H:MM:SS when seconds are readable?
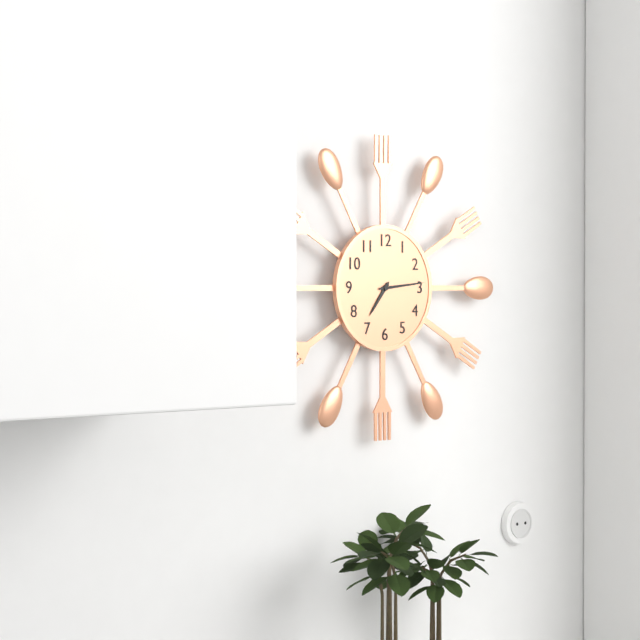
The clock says **7:14**
